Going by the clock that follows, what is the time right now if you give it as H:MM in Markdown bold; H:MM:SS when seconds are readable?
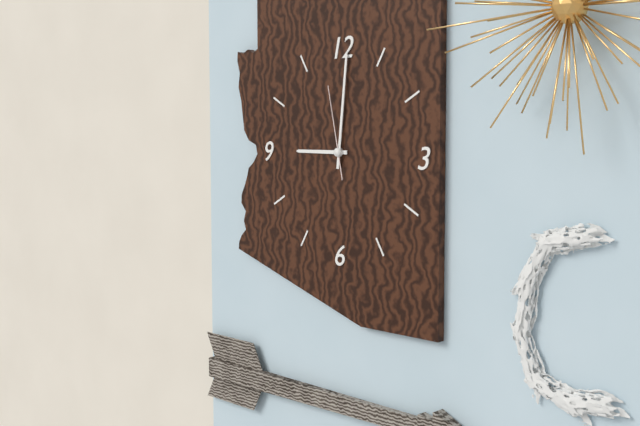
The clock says **9:01:58**
